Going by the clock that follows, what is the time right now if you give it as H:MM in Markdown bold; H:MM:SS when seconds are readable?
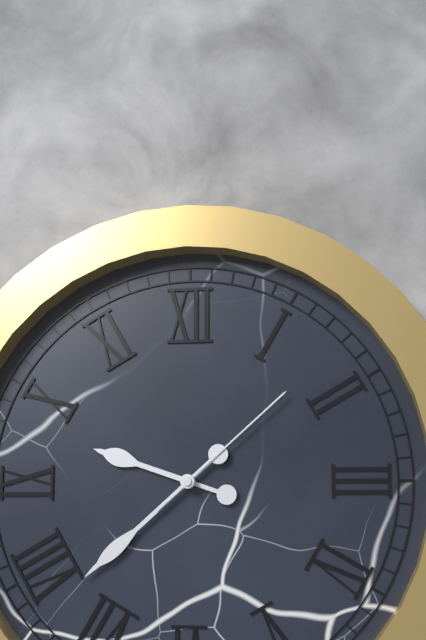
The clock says **9:38:08**
